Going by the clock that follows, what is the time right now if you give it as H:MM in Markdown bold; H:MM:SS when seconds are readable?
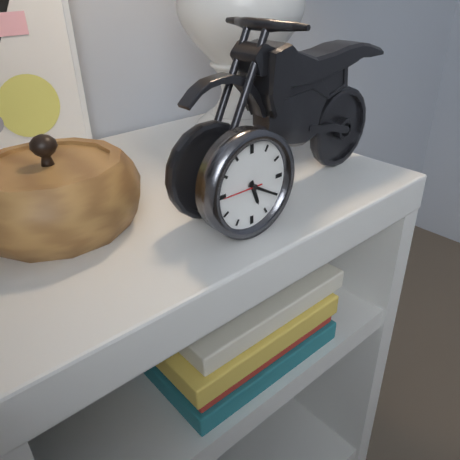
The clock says **5:20**
